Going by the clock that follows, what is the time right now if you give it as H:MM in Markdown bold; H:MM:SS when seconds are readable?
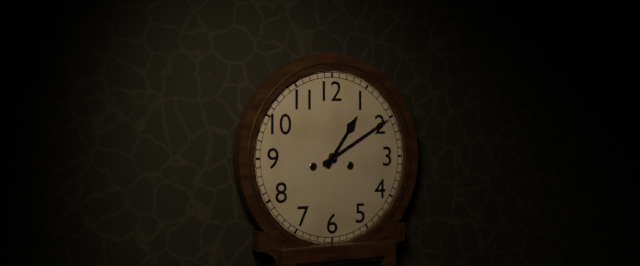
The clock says **1:10**
